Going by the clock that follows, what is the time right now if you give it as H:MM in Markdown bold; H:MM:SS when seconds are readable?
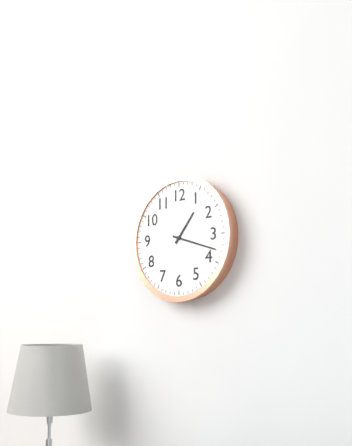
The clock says **1:18**
